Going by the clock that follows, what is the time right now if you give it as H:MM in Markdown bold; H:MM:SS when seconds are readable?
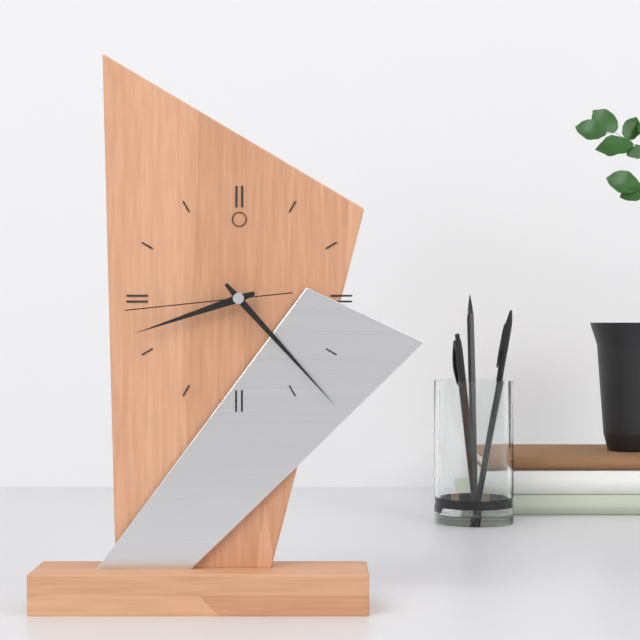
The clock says **8:23:44**
